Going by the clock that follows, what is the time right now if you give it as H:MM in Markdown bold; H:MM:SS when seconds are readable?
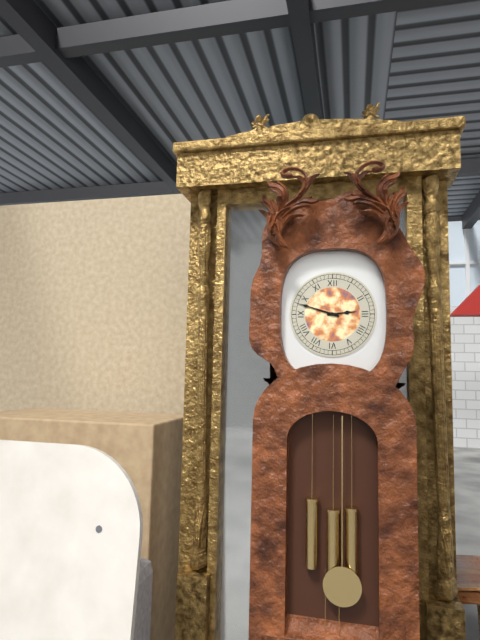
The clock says **2:48**
